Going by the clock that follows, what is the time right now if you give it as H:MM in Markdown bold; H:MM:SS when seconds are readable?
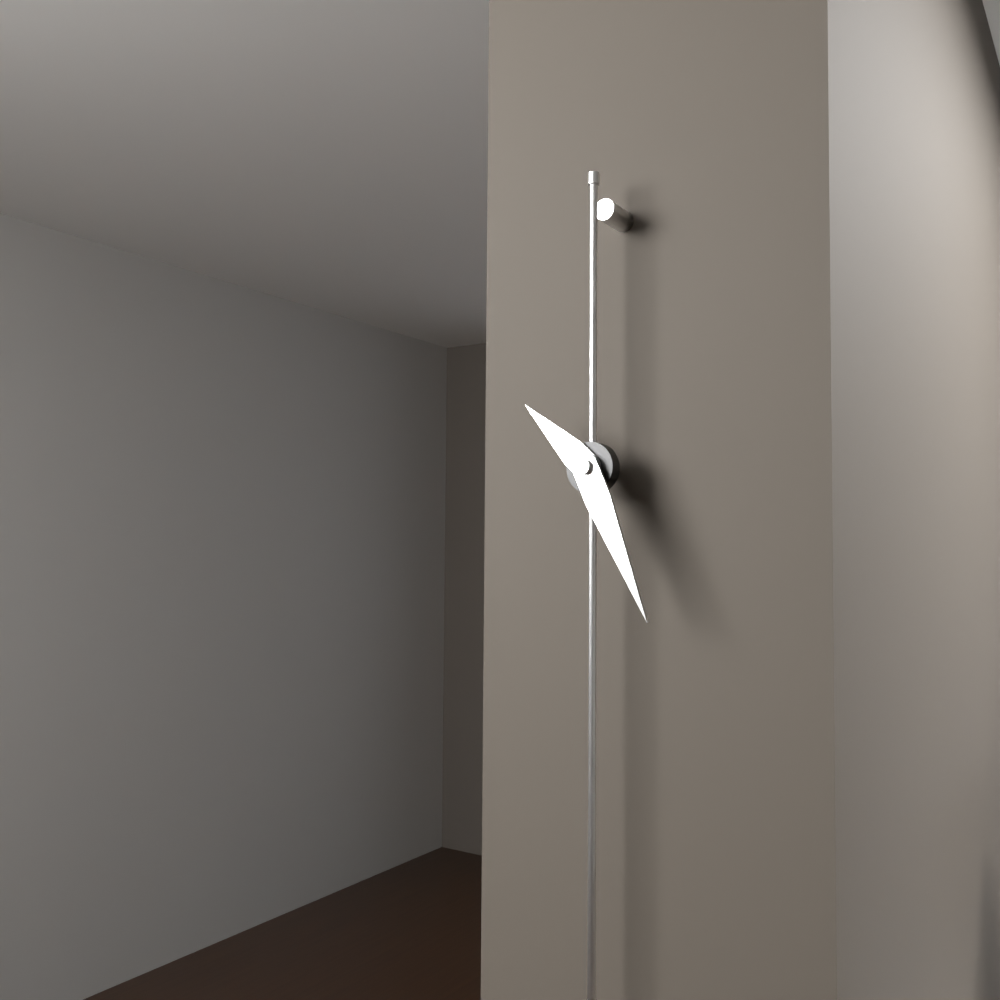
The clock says **10:26**
